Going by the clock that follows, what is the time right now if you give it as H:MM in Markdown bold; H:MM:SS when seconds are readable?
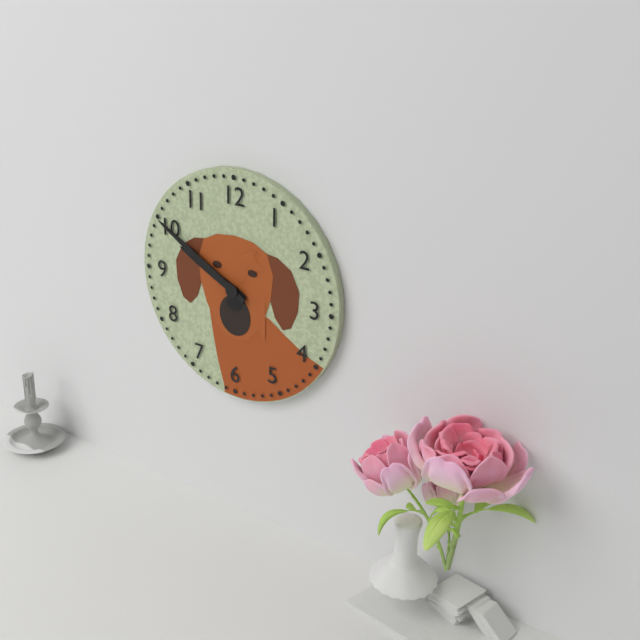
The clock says **9:50**
